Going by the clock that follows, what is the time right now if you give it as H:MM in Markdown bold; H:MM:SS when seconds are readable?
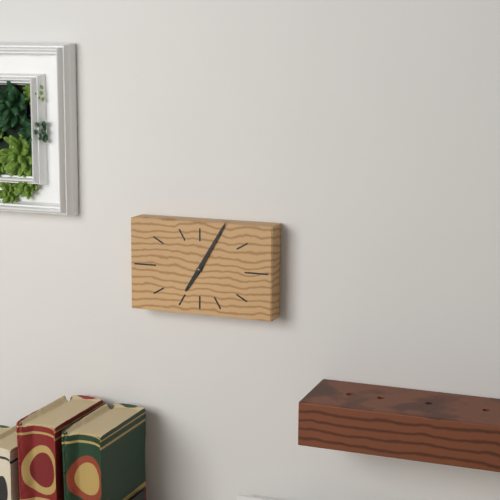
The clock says **7:05**
